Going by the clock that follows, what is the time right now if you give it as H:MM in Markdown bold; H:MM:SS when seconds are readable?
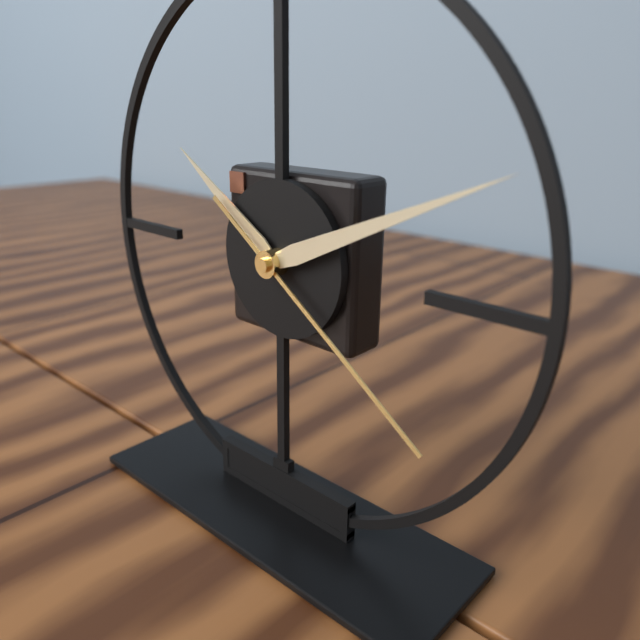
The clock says **10:11:21**
